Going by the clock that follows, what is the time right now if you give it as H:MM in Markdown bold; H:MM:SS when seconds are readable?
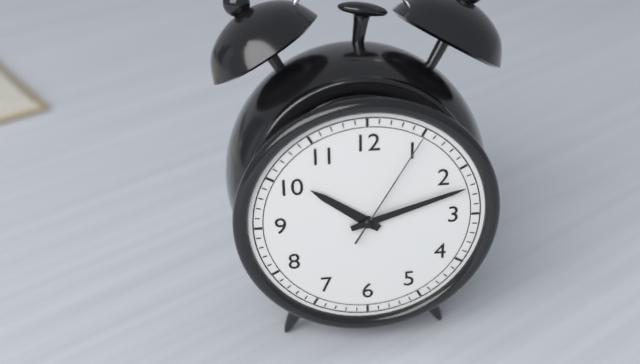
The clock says **10:12:05**
